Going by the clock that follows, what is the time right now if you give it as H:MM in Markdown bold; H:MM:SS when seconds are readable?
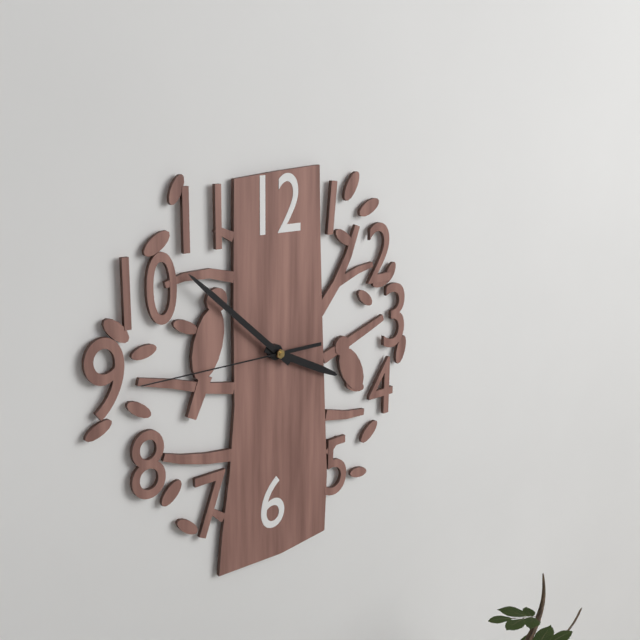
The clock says **3:52:45**
